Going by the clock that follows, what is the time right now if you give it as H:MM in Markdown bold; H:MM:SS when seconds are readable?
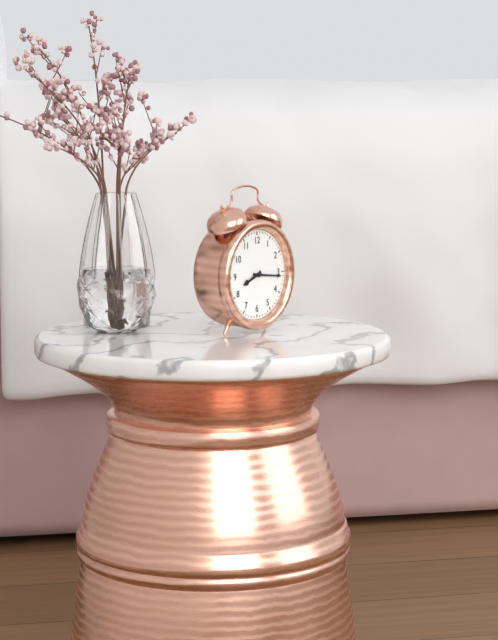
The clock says **8:16**
